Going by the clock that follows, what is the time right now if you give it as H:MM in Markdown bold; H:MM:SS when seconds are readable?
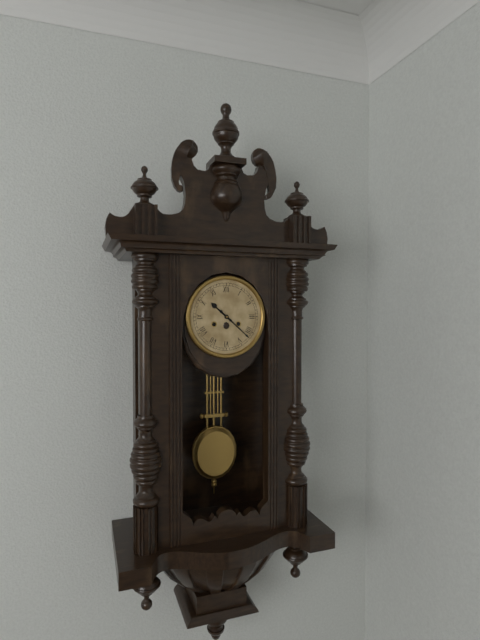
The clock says **10:22**
